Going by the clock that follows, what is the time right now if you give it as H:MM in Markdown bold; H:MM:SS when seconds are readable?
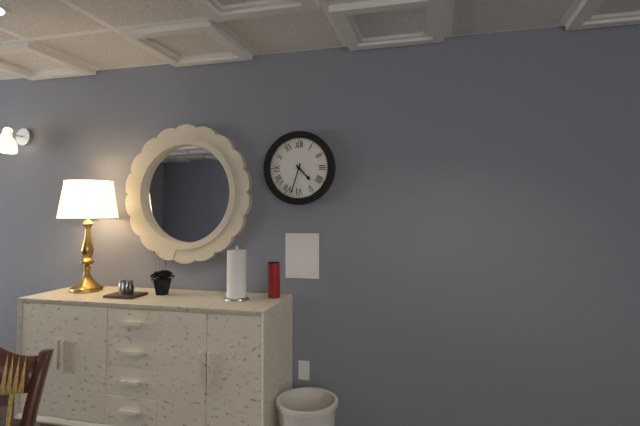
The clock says **4:33**
